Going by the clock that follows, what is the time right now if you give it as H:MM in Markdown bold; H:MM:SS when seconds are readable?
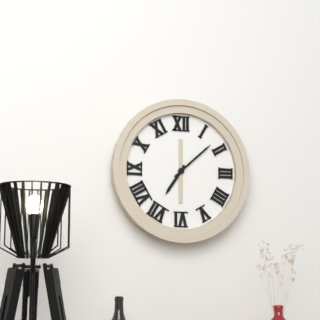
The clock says **7:08**
